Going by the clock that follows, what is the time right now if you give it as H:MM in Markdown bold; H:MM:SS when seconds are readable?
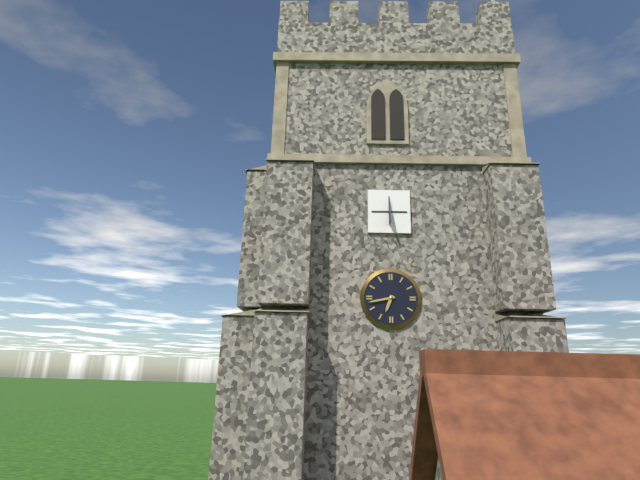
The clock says **6:43**
